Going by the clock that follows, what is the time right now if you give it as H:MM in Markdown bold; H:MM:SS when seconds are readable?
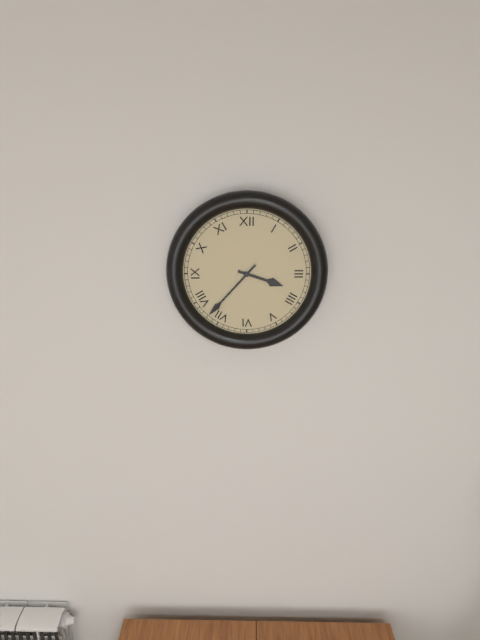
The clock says **3:37**
